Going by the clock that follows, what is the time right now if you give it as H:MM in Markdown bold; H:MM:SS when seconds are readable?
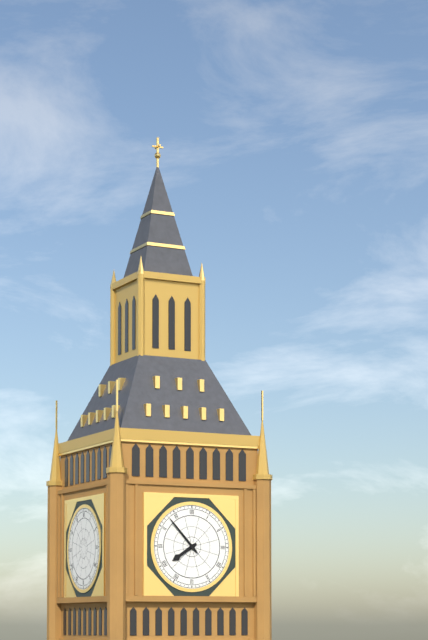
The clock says **7:53**
